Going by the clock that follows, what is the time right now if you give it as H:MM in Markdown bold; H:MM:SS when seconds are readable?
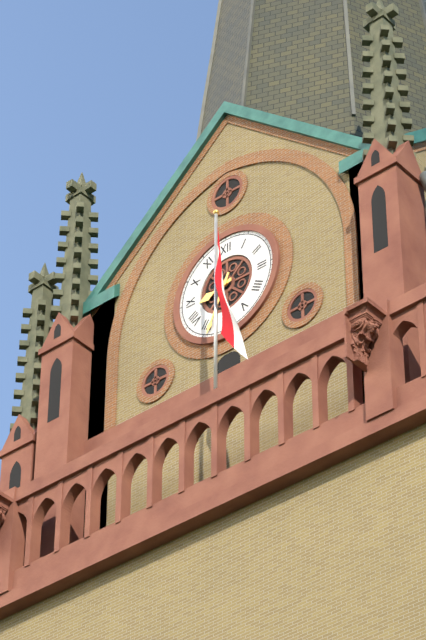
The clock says **8:34**
